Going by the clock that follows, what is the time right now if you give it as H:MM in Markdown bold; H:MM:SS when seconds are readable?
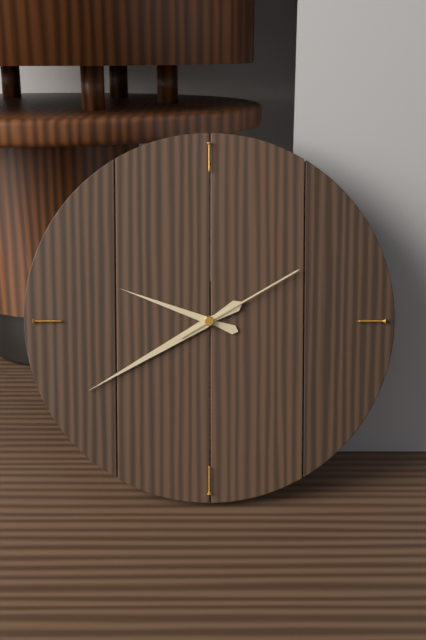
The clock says **9:40:10**
